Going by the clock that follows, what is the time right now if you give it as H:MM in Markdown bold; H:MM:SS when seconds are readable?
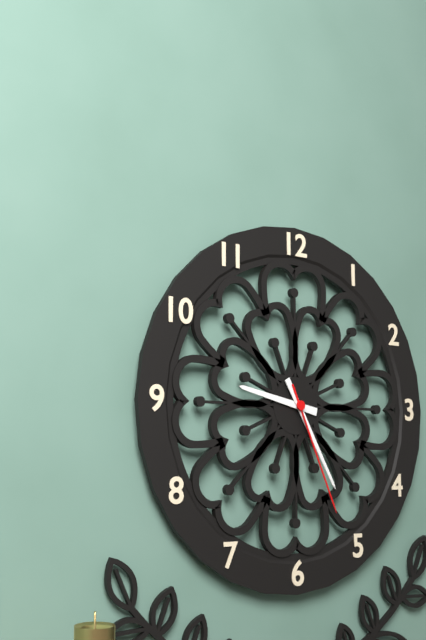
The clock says **9:25:26**
